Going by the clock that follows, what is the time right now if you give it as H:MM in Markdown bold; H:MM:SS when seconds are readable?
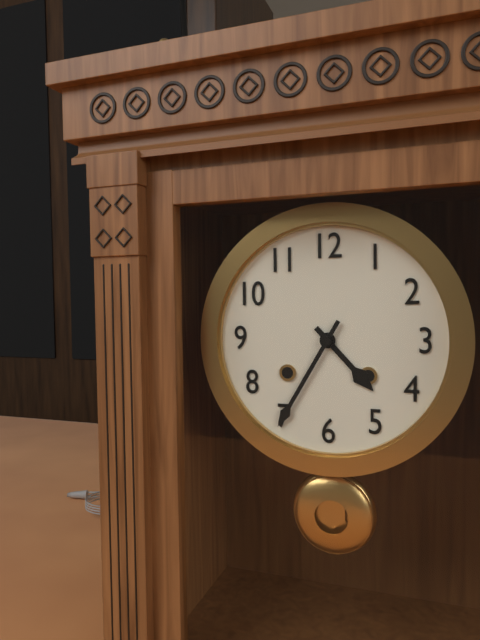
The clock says **4:35**
